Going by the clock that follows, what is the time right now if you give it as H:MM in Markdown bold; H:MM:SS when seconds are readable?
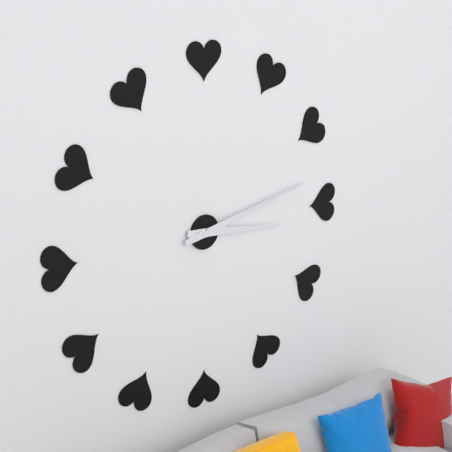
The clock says **3:13**
